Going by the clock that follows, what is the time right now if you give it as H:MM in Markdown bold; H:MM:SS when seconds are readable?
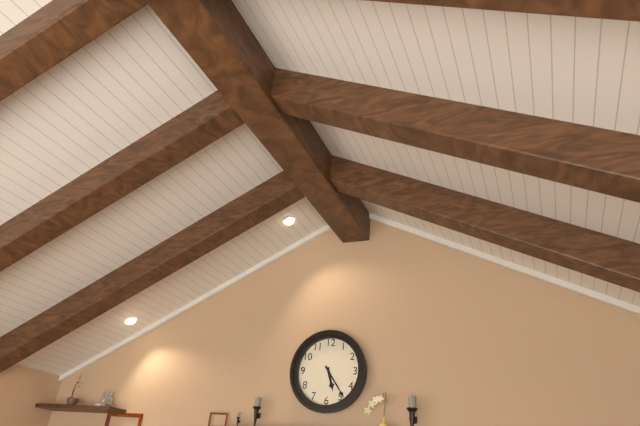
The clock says **5:24**
